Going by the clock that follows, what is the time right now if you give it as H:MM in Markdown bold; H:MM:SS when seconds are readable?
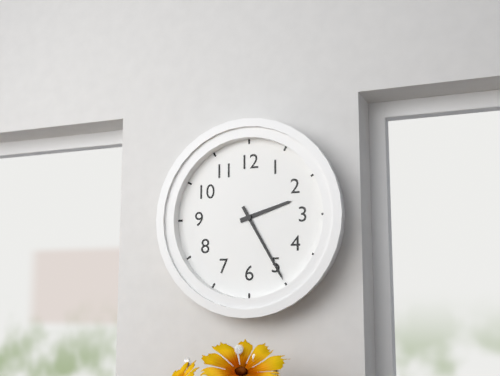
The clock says **2:25**
